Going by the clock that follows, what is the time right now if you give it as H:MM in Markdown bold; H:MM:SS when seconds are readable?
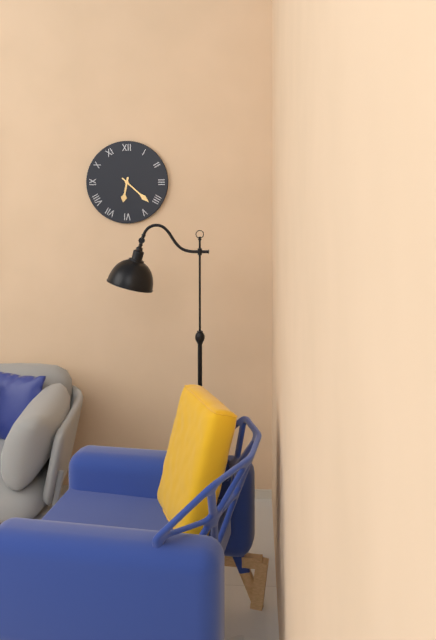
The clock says **6:22**
